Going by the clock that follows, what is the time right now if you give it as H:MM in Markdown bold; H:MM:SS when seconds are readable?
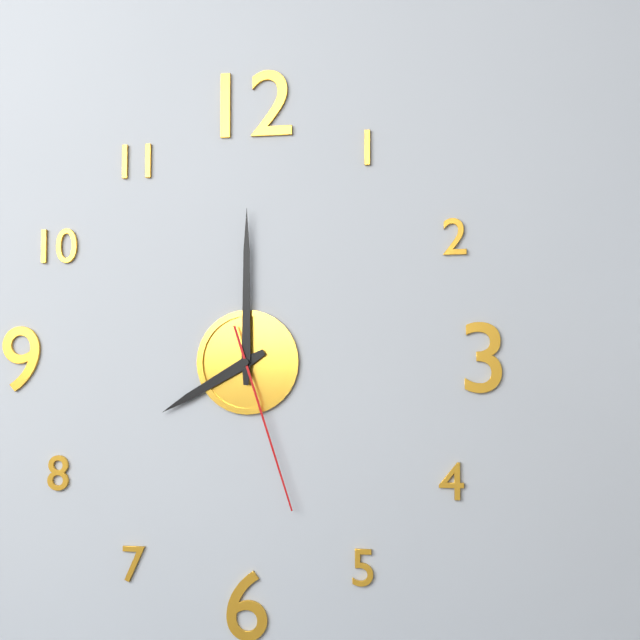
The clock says **8:00:27**
